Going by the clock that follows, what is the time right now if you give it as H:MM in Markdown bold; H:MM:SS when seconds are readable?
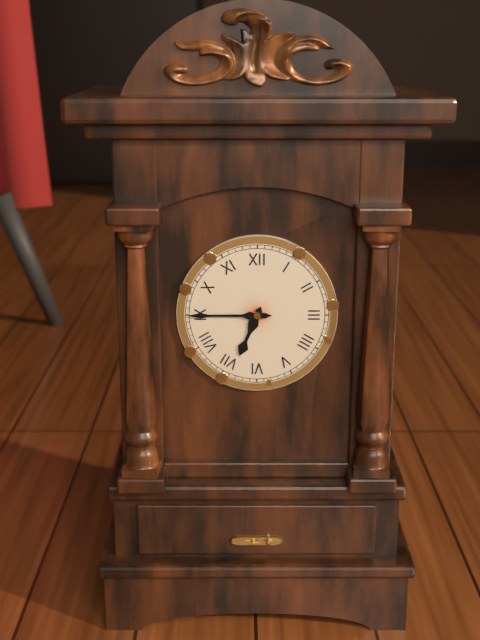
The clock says **6:45**
